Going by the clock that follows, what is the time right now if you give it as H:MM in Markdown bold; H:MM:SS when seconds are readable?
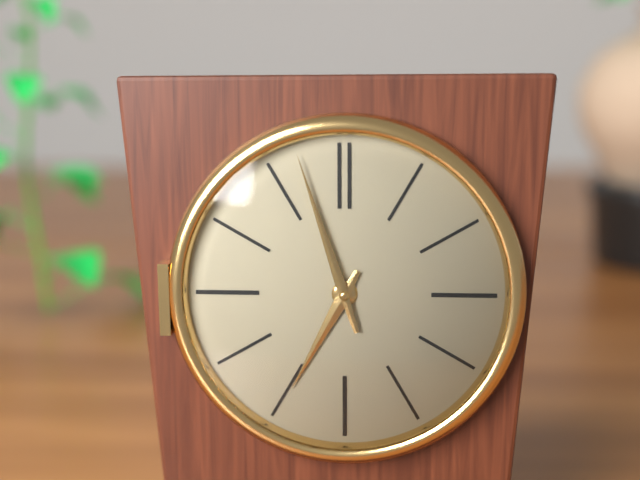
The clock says **6:57**
